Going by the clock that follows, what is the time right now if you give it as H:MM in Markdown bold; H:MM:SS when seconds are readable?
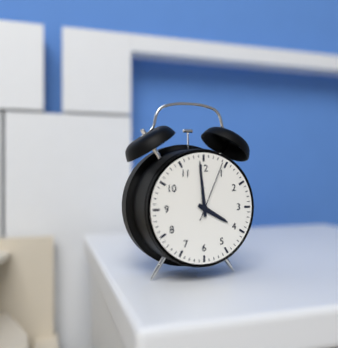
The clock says **3:59:04**
